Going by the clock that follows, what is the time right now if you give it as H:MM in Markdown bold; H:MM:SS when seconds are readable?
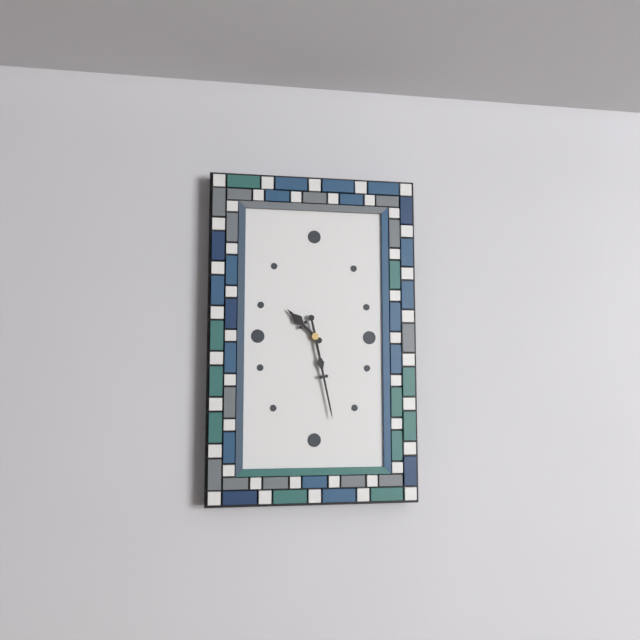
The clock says **10:28**
